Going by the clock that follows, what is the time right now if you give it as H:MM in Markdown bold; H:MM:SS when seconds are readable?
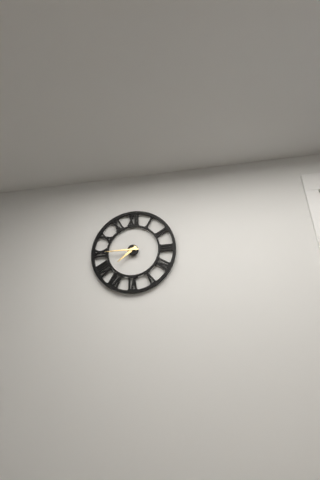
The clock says **7:45**
